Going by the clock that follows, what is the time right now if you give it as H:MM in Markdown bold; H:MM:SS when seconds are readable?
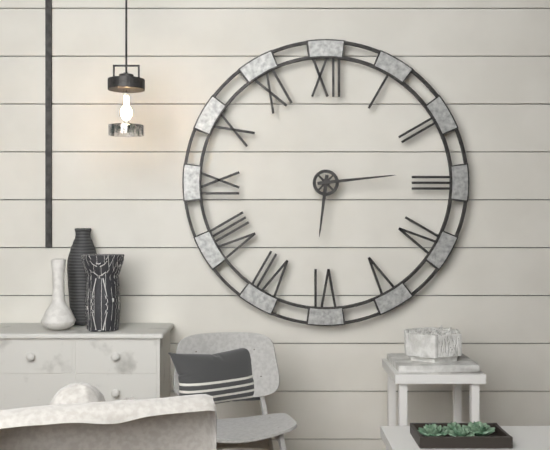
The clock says **6:14**
